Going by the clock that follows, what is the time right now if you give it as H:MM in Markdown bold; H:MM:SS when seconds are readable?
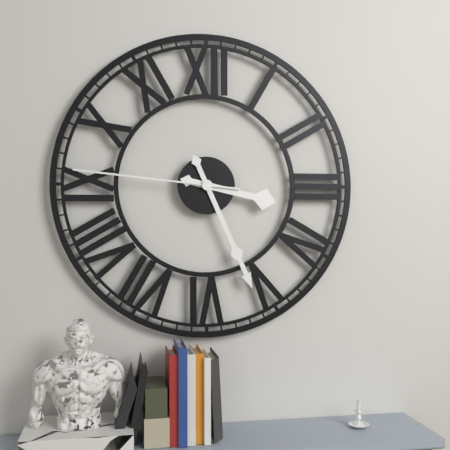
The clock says **3:26:46**
